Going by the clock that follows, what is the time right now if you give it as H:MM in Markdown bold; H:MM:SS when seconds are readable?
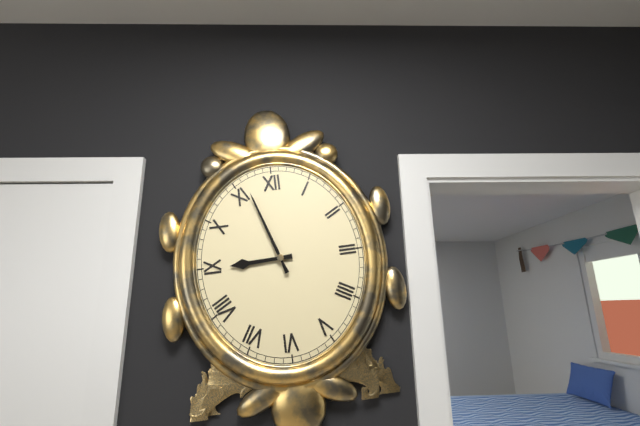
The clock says **8:57**
